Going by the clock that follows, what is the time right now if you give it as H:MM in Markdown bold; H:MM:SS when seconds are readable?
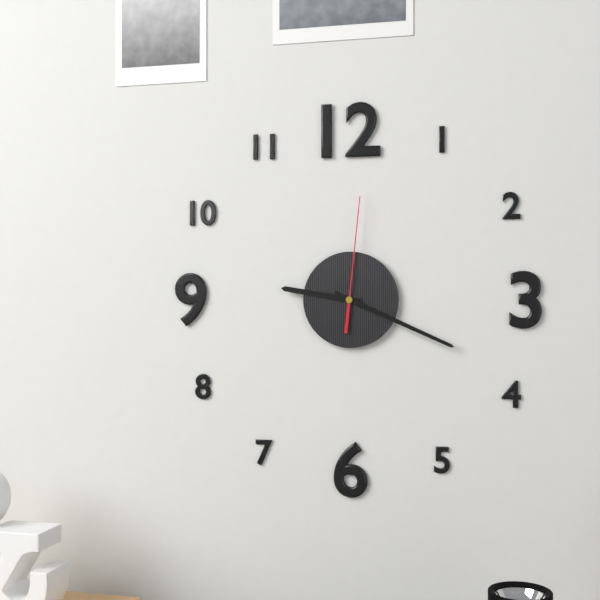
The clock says **9:19:01**
